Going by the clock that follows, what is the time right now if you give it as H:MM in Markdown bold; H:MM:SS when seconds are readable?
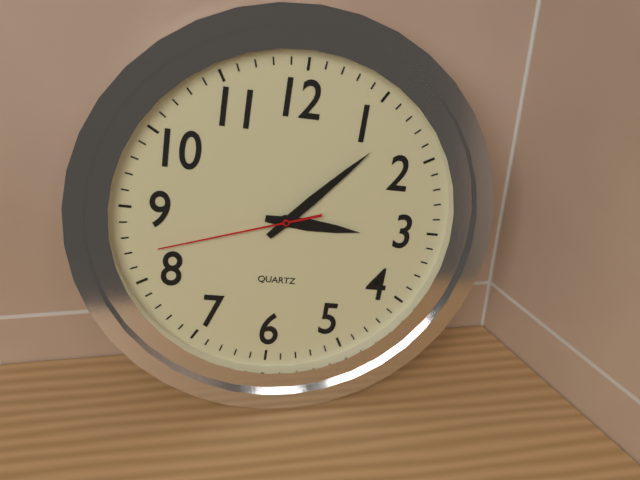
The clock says **3:07:42**
